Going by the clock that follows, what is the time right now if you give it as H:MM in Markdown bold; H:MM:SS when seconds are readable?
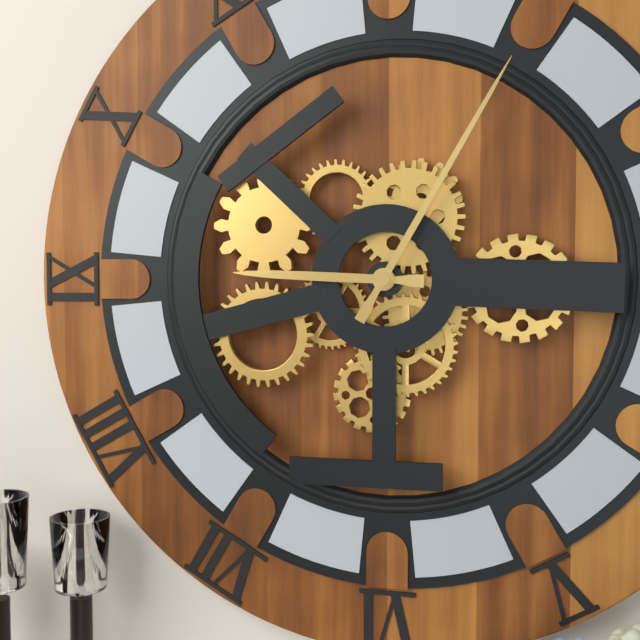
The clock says **9:05**
